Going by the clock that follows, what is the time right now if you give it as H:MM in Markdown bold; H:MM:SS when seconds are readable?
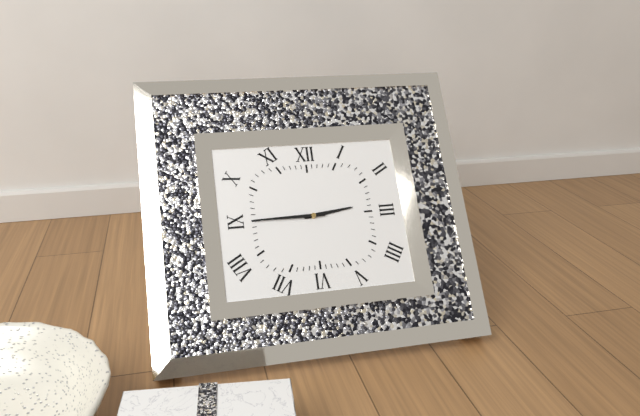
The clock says **2:45**
